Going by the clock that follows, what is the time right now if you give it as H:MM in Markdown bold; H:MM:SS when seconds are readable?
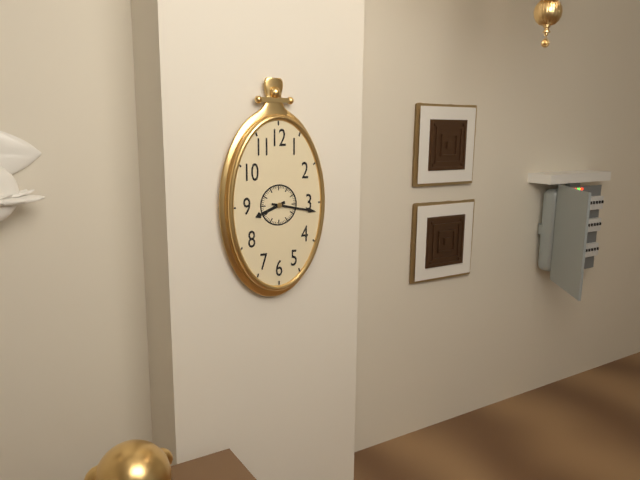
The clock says **8:17**
